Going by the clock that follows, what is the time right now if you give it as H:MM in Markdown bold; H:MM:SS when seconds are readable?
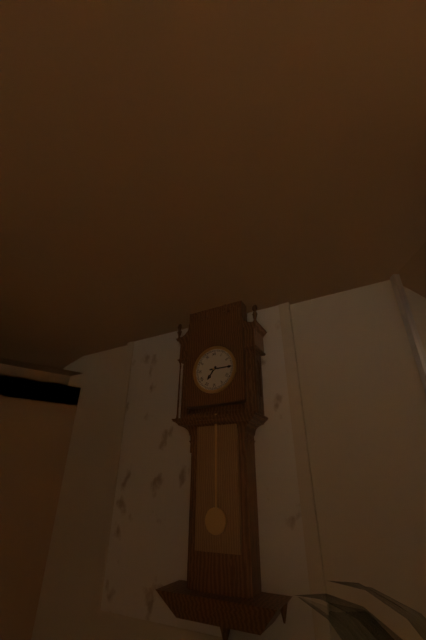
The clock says **7:15**
